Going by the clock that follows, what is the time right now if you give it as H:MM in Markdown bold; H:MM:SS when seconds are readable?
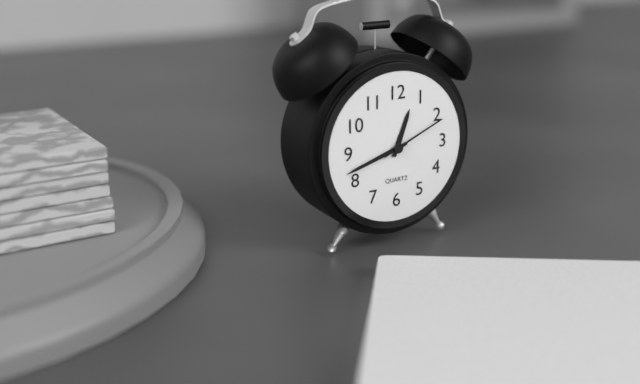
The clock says **12:42:11**
